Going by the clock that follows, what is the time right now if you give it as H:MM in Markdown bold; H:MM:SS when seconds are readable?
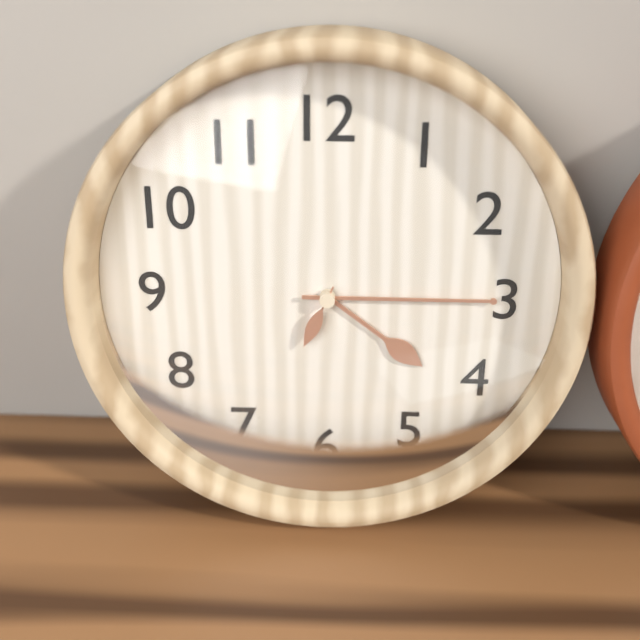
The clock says **4:15:34**
